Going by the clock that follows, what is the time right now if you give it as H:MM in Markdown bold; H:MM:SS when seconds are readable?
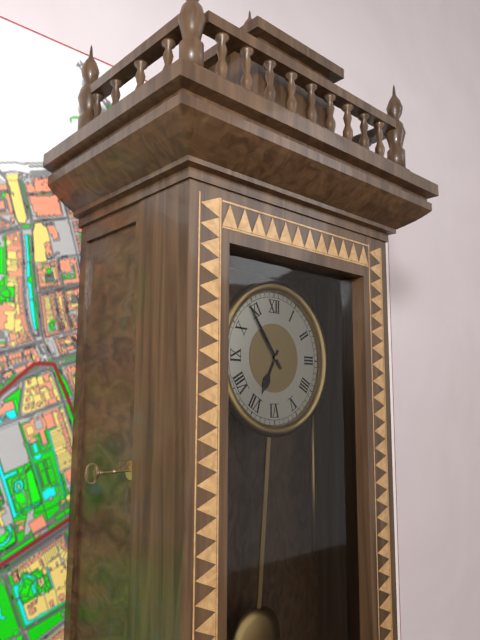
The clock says **6:54**
